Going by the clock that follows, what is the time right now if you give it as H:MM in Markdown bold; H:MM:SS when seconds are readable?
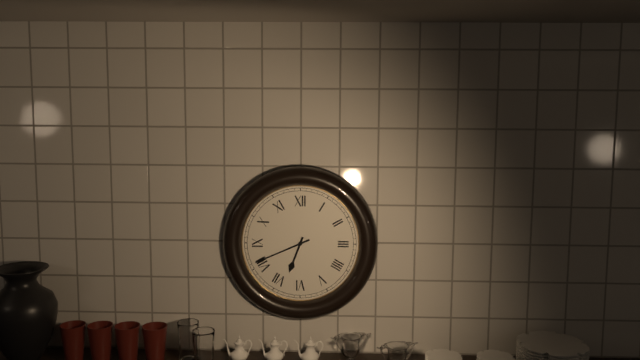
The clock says **6:41**
